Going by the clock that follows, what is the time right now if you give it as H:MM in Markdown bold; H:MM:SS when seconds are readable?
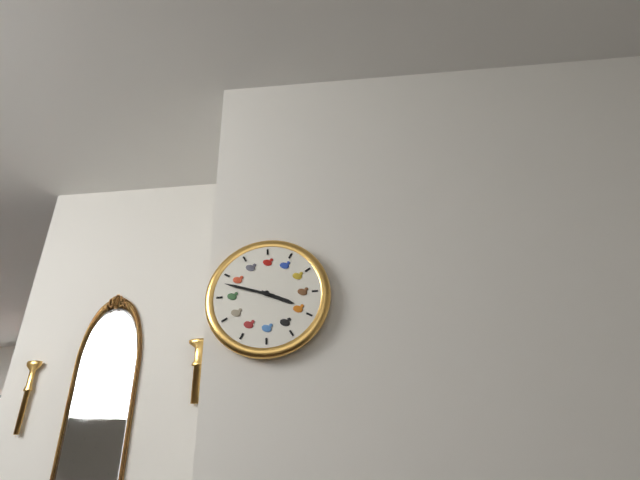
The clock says **3:48**
